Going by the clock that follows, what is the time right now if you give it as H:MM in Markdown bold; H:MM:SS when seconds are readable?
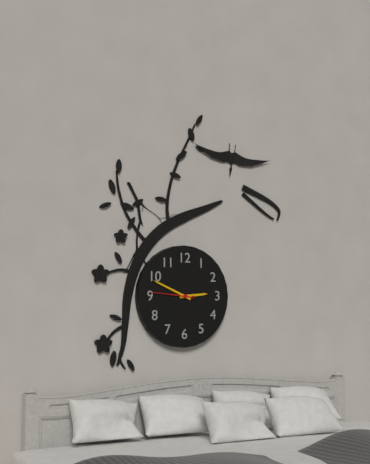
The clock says **2:49**
